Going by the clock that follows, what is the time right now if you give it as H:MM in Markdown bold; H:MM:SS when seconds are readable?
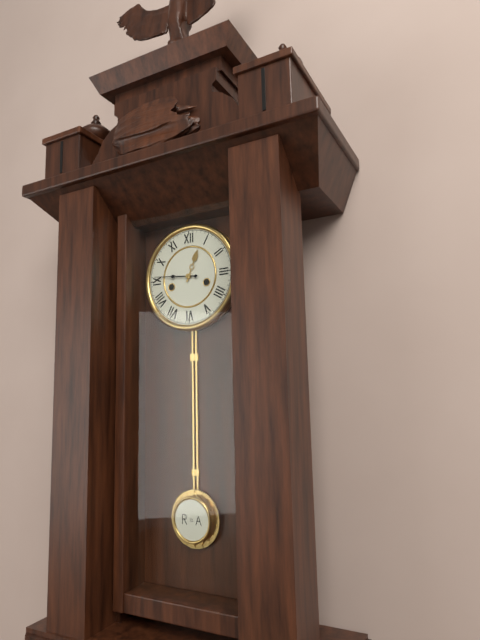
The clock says **12:46**
